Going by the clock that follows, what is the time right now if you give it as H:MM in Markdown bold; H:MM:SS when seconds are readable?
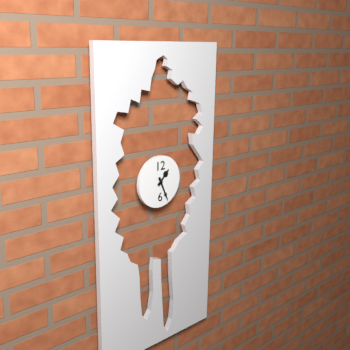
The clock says **1:26**
